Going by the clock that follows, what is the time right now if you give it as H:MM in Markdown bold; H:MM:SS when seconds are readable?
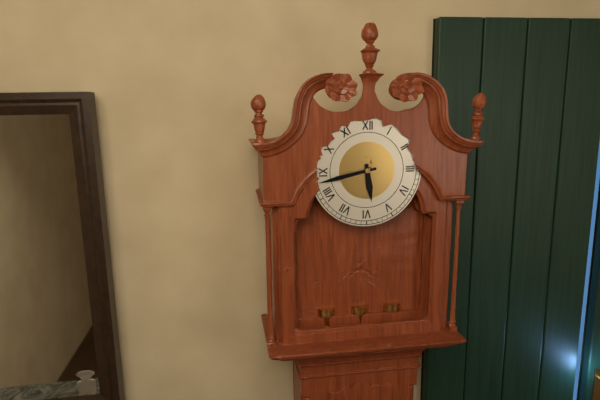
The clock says **5:43**
